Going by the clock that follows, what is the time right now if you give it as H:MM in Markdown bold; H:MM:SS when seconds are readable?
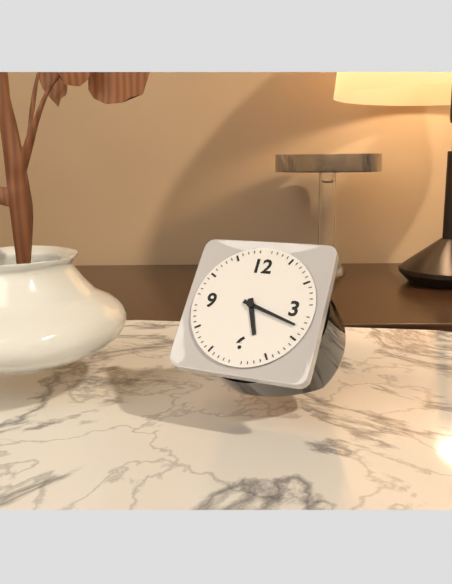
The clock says **5:18**
